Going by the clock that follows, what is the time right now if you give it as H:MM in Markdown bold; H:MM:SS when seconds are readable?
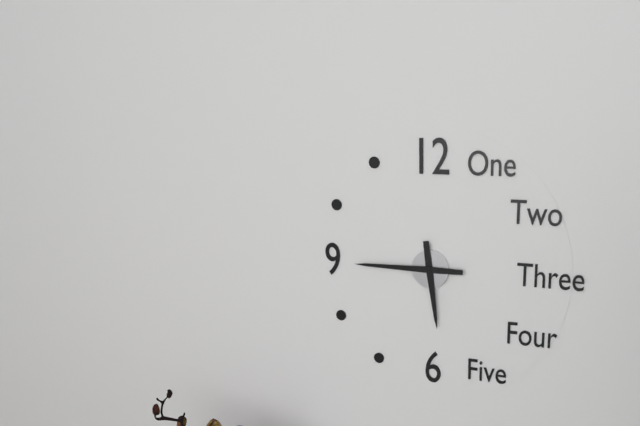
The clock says **5:45**
